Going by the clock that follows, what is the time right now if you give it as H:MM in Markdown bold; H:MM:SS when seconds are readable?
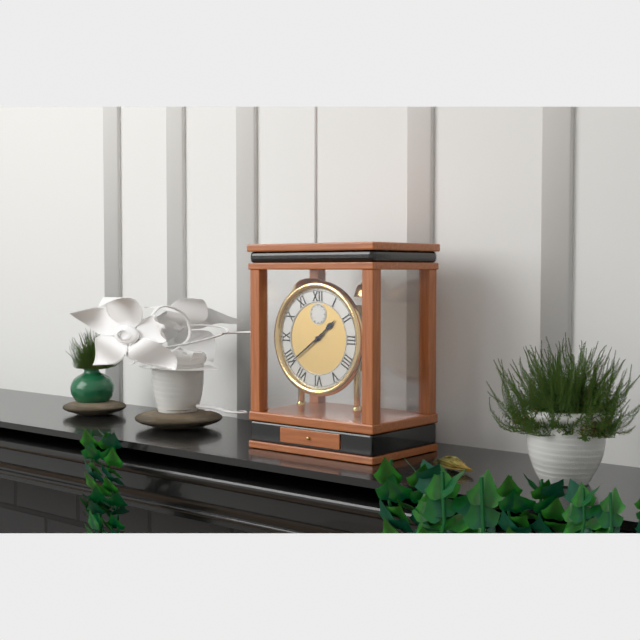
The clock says **1:39**
